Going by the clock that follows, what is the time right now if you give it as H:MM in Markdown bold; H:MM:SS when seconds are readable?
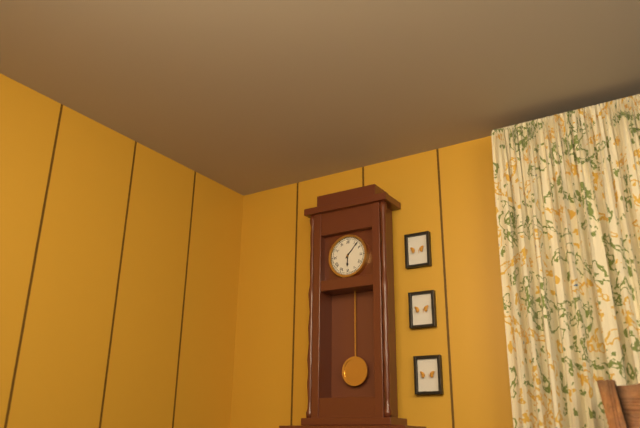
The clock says **6:07**
